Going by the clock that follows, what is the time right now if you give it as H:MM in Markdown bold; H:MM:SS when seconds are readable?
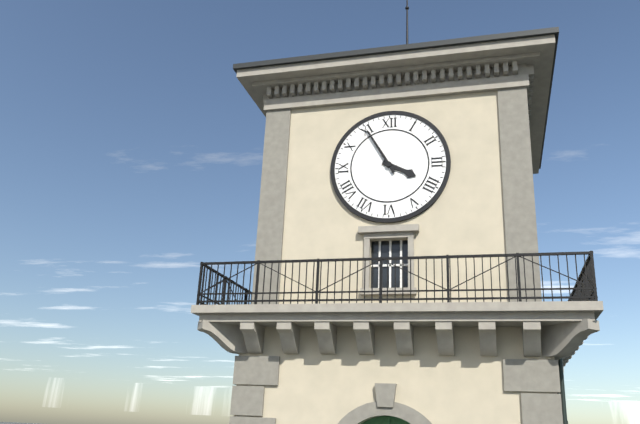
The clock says **3:55**
